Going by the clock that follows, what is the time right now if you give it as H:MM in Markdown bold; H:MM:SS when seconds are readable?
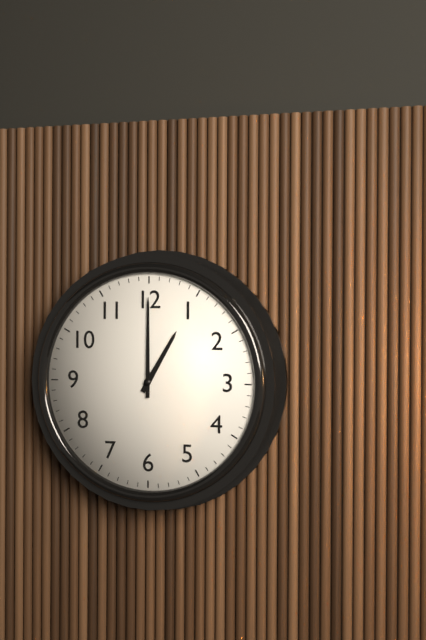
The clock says **1:00**
